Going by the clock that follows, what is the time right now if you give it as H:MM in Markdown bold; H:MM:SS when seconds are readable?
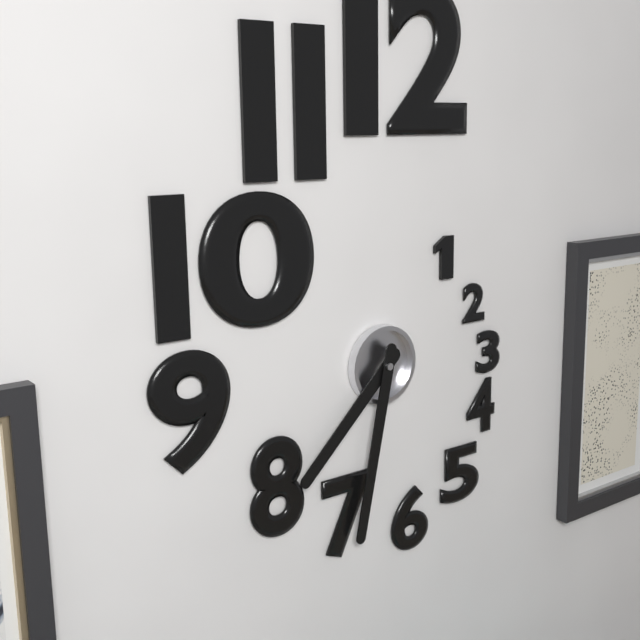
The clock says **7:32**
